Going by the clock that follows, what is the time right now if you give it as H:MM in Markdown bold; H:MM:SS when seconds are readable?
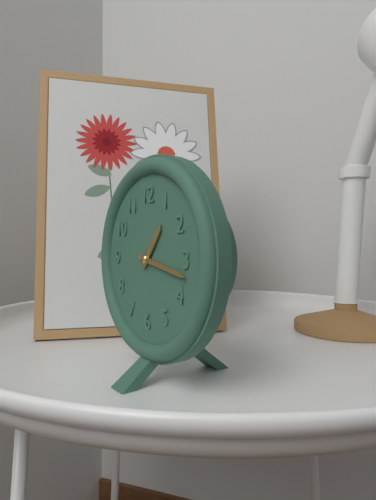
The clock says **1:17**
